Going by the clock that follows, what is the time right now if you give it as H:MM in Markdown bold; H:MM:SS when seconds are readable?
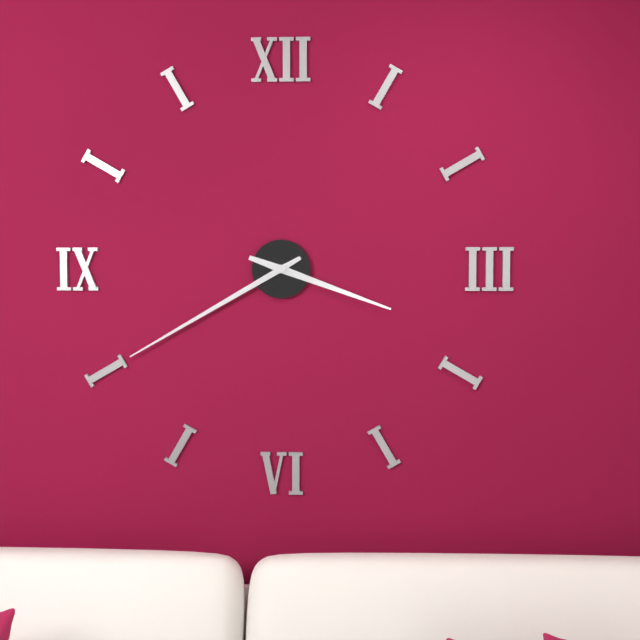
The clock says **3:40**
